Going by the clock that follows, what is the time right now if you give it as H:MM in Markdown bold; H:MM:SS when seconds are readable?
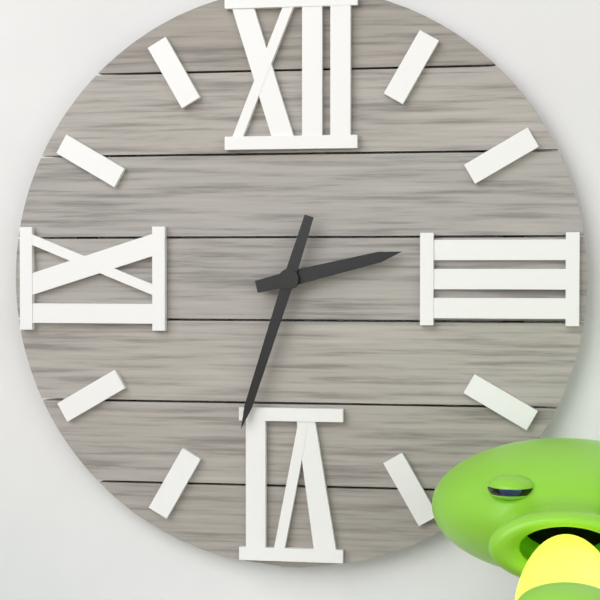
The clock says **2:33**
